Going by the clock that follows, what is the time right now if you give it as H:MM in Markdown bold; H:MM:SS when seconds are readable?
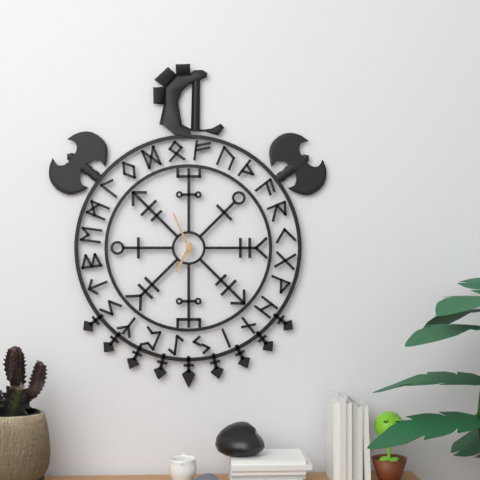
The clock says **6:56**
